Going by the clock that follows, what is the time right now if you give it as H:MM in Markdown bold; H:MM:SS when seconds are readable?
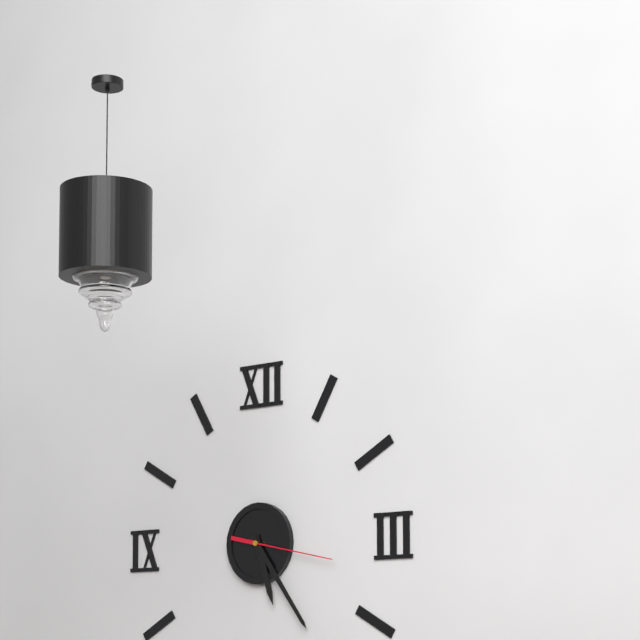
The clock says **5:24:17**
